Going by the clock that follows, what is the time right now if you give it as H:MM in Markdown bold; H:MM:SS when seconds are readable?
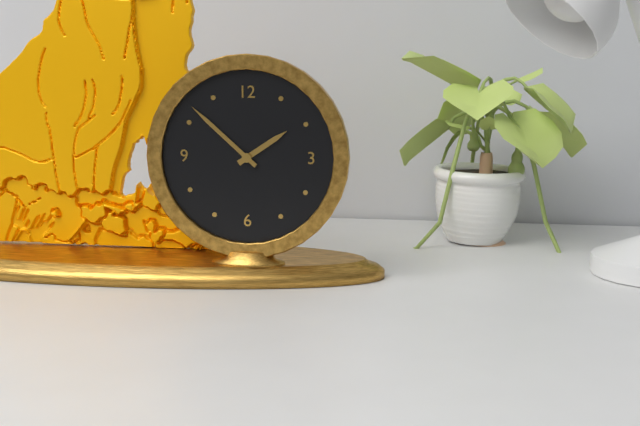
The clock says **1:52**
